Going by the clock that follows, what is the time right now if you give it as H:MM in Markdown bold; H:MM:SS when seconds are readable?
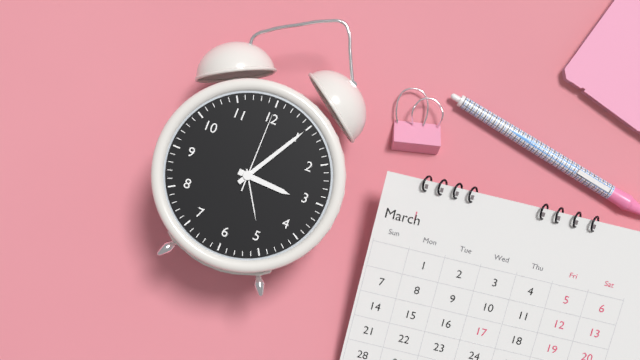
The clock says **3:05:00**
